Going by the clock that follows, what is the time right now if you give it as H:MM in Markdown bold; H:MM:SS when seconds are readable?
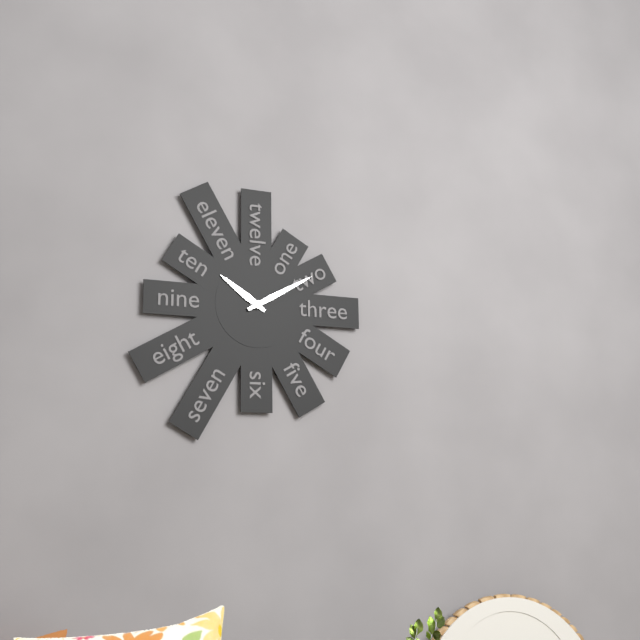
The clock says **10:10**
